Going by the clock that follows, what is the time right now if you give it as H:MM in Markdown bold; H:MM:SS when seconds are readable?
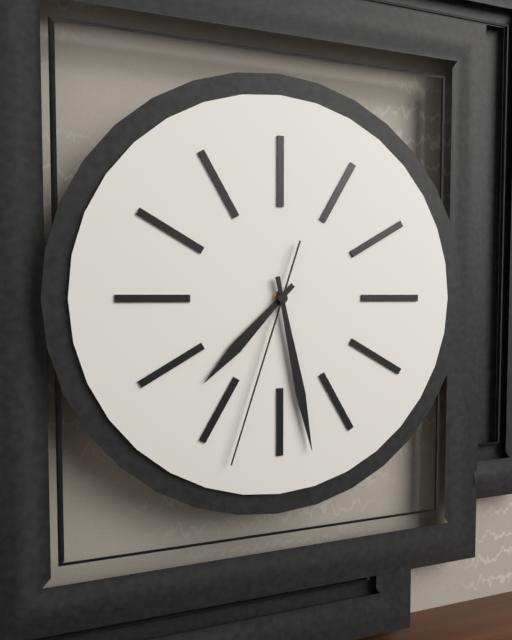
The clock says **7:28:33**
